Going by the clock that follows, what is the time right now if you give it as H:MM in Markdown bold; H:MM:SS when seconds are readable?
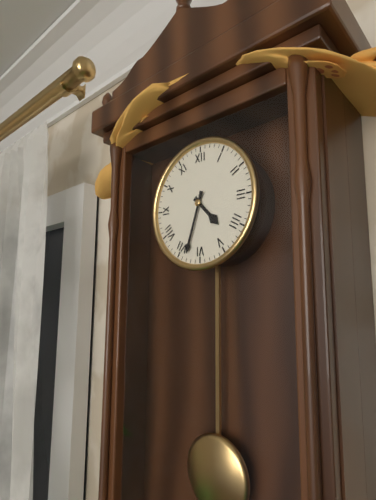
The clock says **4:33**
